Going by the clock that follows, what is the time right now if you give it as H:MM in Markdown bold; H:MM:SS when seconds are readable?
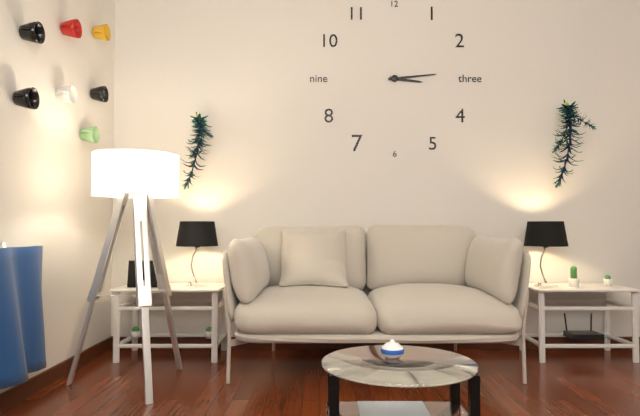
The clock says **3:14**
